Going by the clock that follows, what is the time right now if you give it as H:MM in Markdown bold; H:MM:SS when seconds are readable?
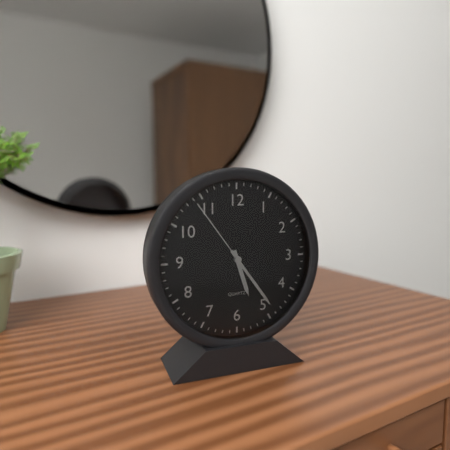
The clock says **5:24:54**
